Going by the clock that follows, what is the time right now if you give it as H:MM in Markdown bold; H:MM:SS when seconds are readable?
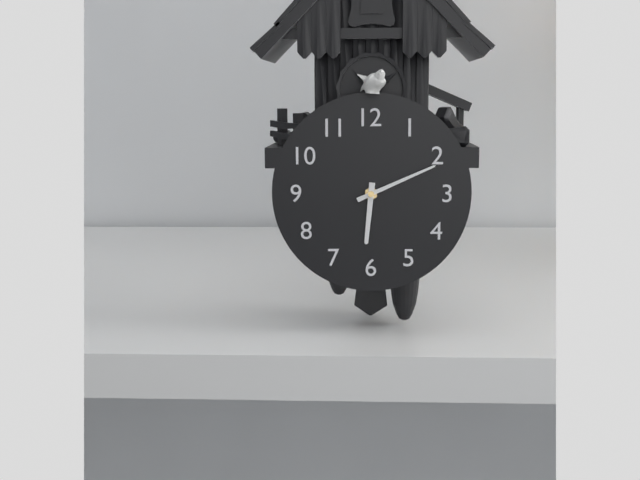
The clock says **6:11**
